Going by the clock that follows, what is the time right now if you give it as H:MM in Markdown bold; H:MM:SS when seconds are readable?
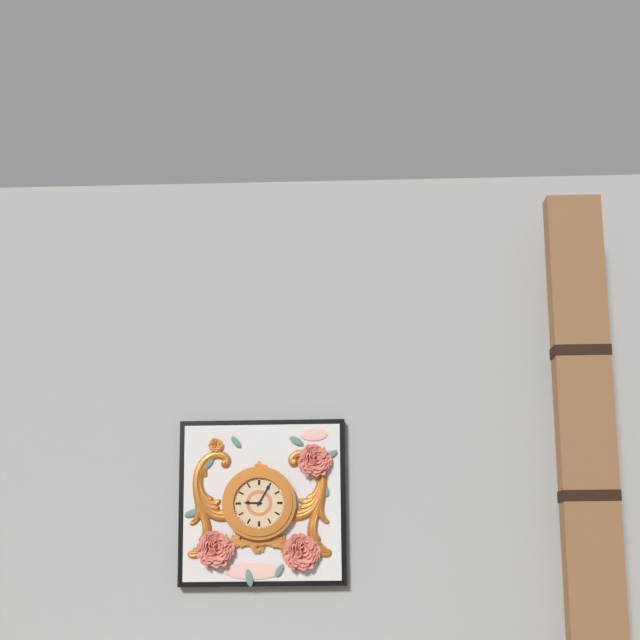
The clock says **9:05**
